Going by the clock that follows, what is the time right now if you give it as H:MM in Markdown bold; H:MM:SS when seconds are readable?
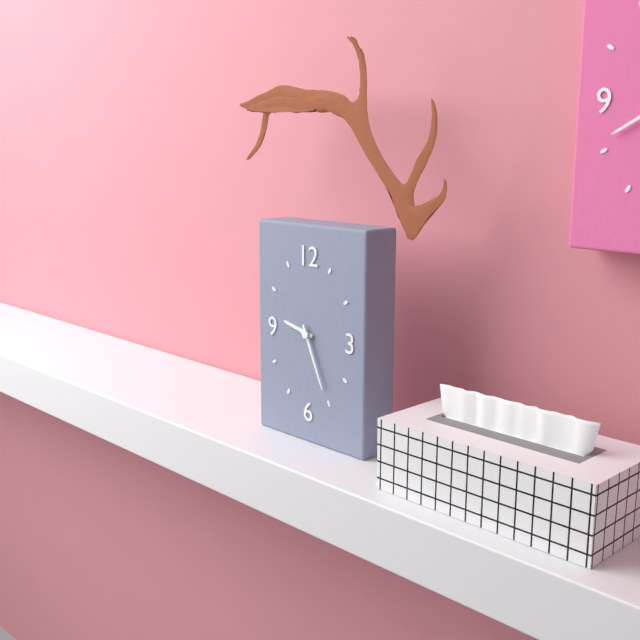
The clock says **9:26**
